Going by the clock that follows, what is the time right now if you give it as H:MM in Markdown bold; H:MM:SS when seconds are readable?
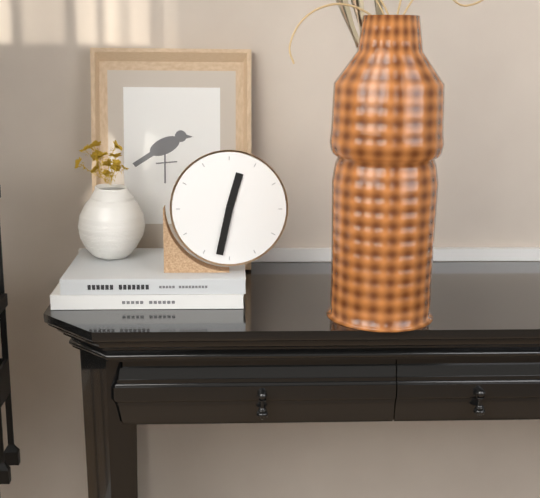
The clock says **12:32**
